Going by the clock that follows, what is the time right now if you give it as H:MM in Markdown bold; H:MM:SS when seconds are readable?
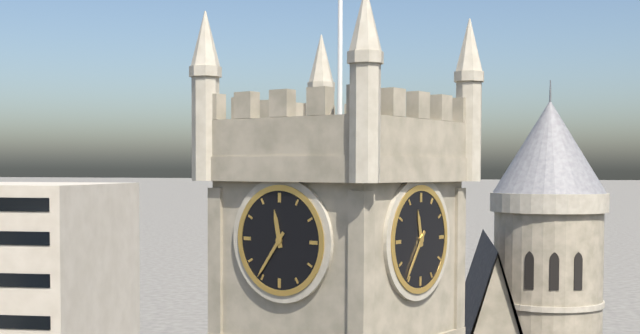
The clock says **11:36**
